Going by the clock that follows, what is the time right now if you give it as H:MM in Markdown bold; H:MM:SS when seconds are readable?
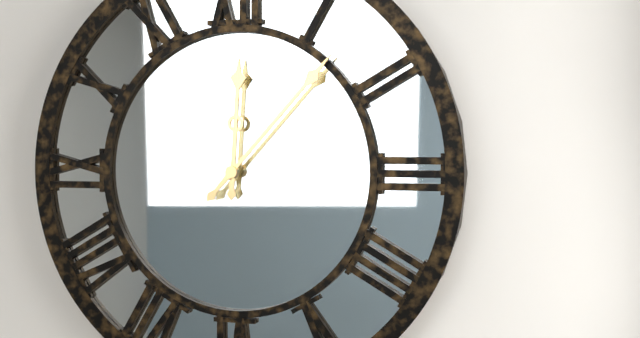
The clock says **12:07**
